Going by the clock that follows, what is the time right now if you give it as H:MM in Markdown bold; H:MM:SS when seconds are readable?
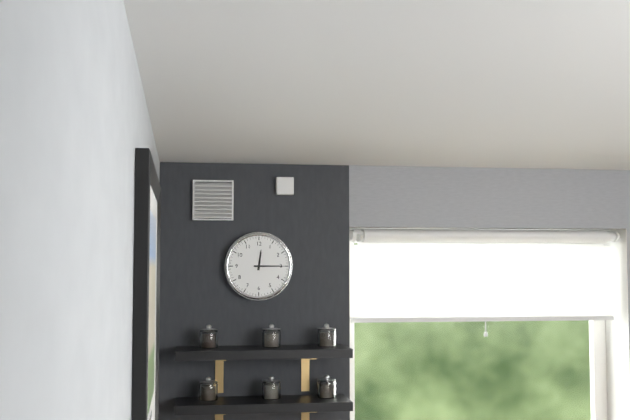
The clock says **12:15**
